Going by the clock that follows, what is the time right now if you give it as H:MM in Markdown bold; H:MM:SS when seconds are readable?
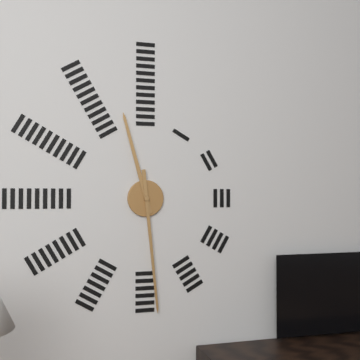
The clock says **11:29**
